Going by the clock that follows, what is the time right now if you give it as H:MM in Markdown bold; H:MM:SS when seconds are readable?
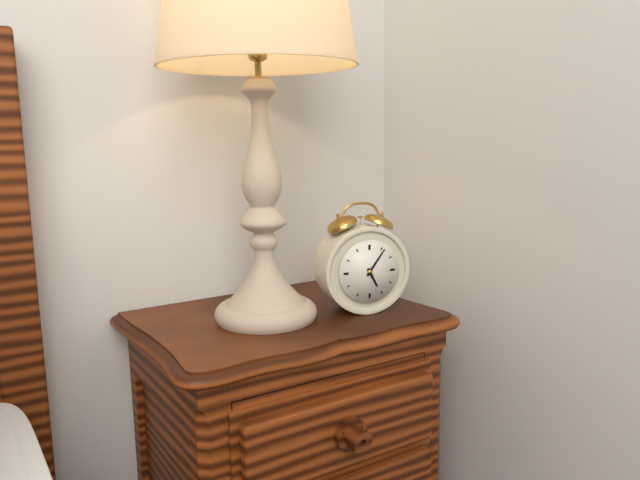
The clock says **5:06**
